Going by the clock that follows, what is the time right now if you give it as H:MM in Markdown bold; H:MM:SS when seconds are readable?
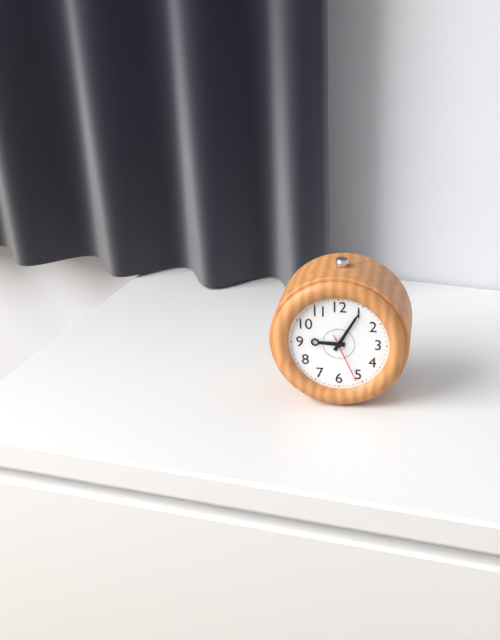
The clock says **9:05:26**
